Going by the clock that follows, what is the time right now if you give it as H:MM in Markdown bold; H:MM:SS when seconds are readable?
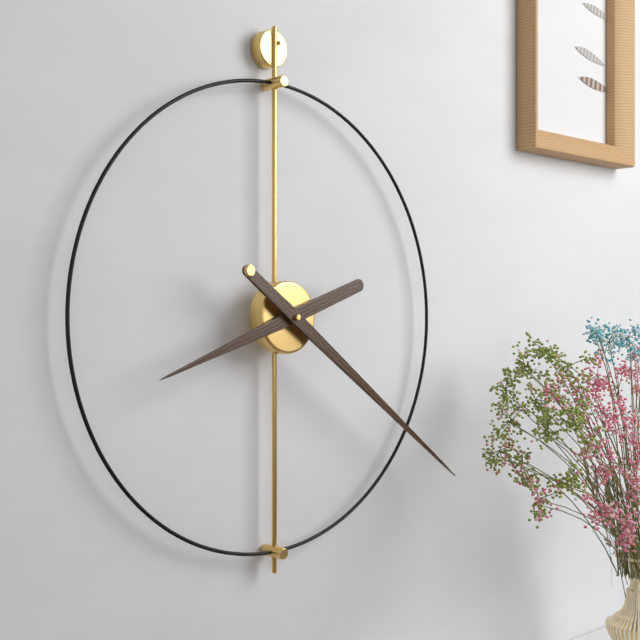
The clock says **8:21**
